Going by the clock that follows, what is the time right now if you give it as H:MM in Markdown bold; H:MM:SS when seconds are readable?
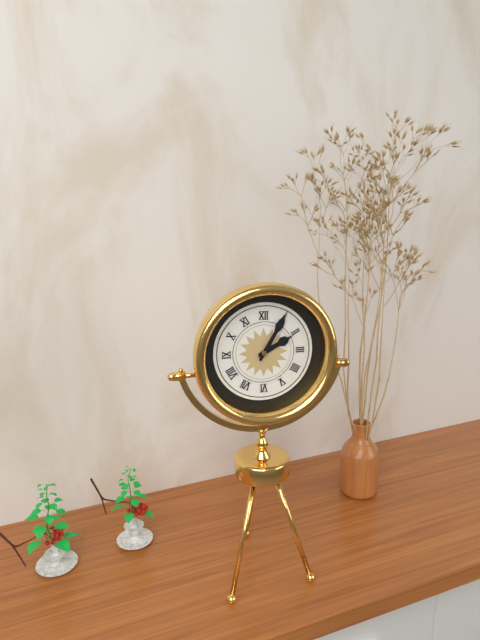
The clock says **2:05**
